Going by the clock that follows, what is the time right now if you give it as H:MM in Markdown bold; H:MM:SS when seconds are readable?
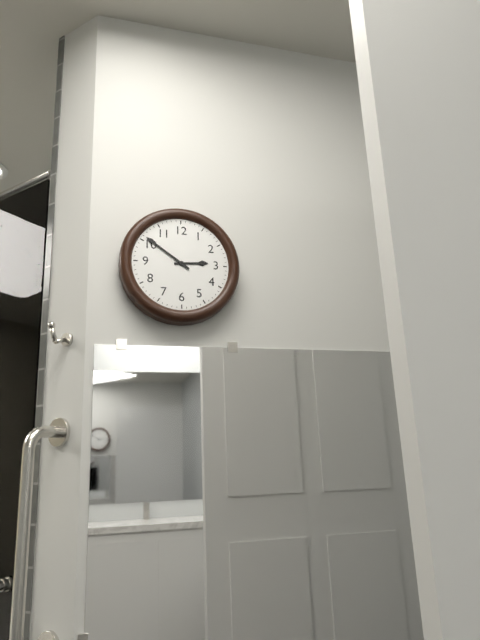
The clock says **2:51**
